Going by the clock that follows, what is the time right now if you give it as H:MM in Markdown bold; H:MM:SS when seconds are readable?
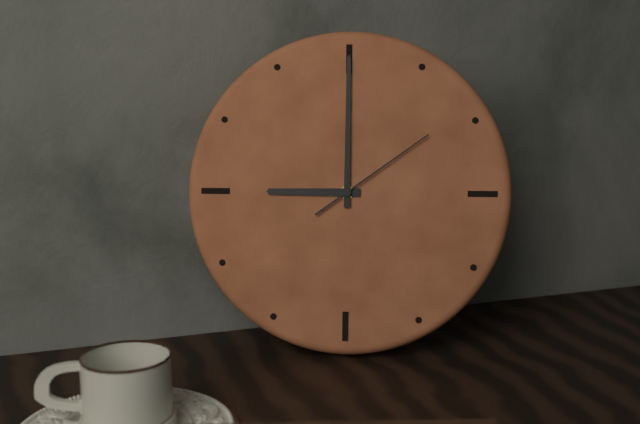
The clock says **9:00:09**
